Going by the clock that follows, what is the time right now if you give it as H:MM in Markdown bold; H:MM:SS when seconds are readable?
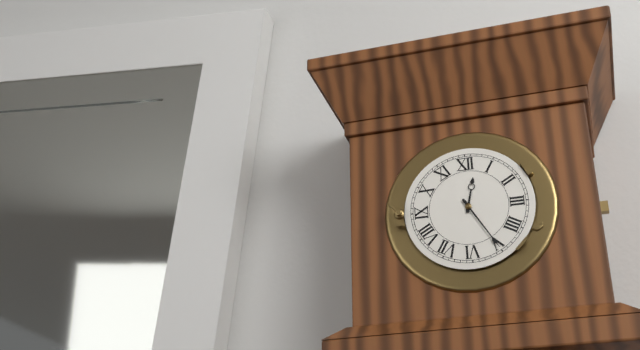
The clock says **12:25**
